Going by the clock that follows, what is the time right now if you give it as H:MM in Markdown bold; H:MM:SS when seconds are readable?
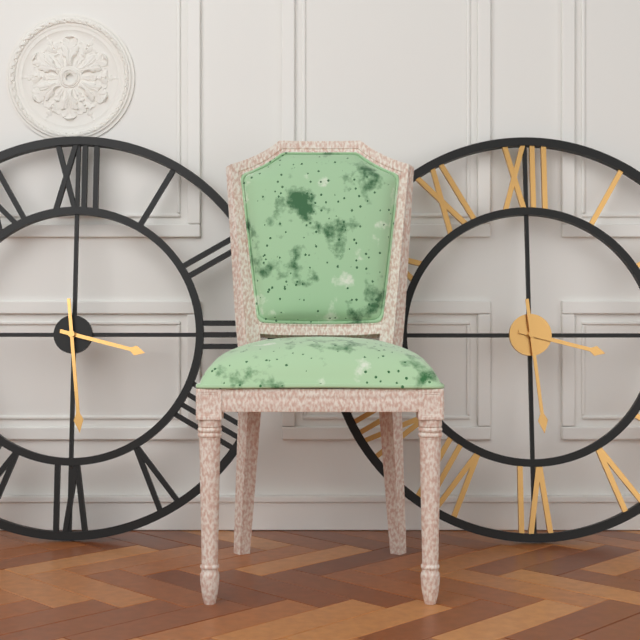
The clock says **3:29**
